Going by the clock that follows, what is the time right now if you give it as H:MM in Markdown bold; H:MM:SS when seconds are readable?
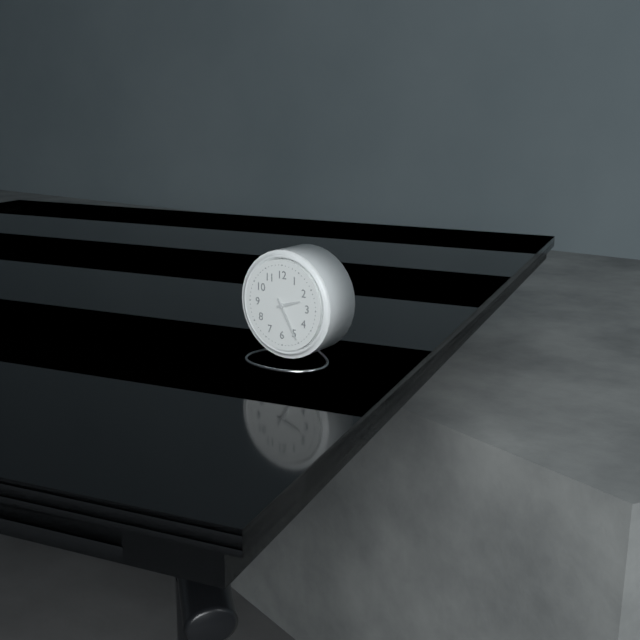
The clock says **2:25**
